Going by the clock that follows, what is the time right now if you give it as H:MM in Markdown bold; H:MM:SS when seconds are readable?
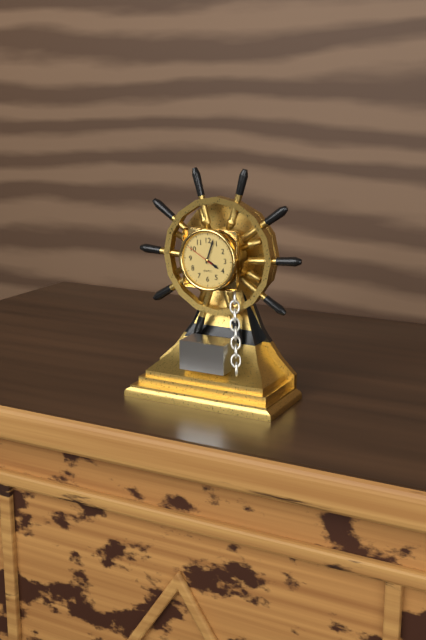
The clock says **4:03**
